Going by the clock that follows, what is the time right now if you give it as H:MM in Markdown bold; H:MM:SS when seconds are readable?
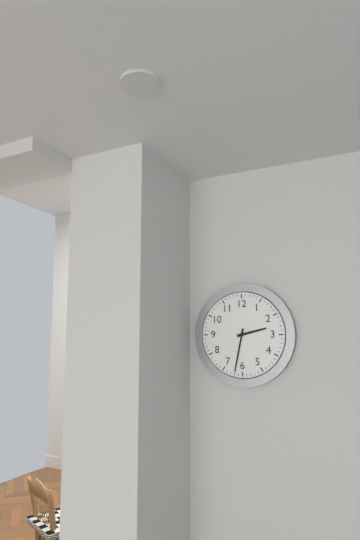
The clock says **2:32**
